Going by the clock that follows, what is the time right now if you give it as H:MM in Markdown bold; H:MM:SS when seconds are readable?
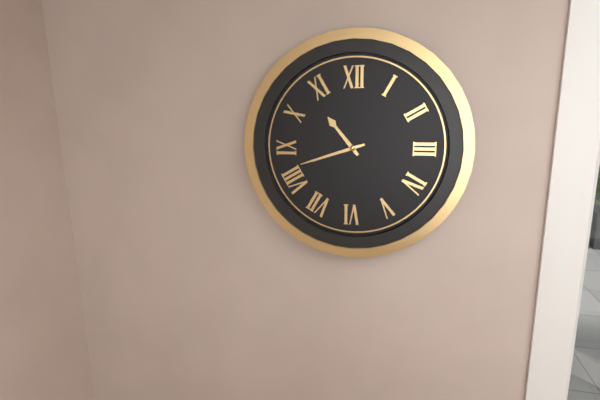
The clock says **10:42**
